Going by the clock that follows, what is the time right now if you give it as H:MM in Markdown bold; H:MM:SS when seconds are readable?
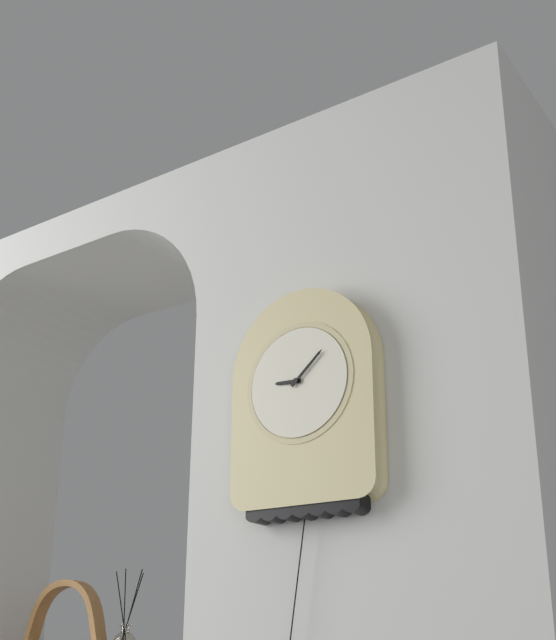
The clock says **9:08**
